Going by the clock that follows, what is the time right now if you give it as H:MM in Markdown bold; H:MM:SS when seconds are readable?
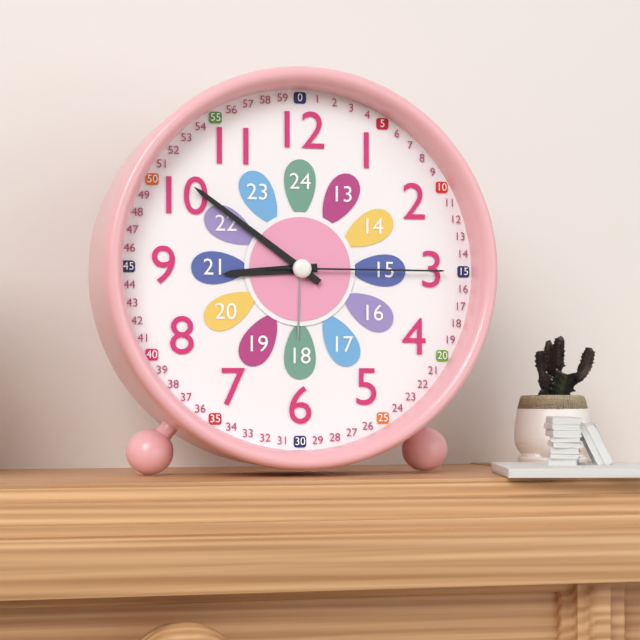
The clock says **8:51:15**
